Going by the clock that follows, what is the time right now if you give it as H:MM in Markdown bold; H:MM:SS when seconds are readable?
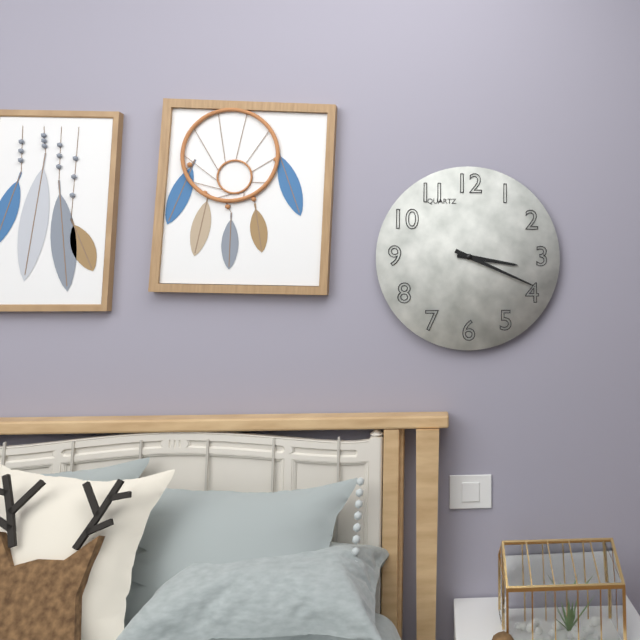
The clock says **3:19**
